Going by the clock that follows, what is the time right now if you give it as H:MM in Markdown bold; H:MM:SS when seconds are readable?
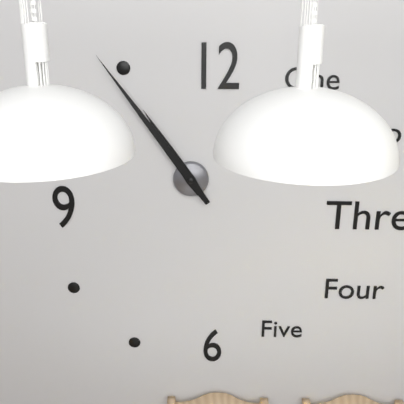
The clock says **10:54**
